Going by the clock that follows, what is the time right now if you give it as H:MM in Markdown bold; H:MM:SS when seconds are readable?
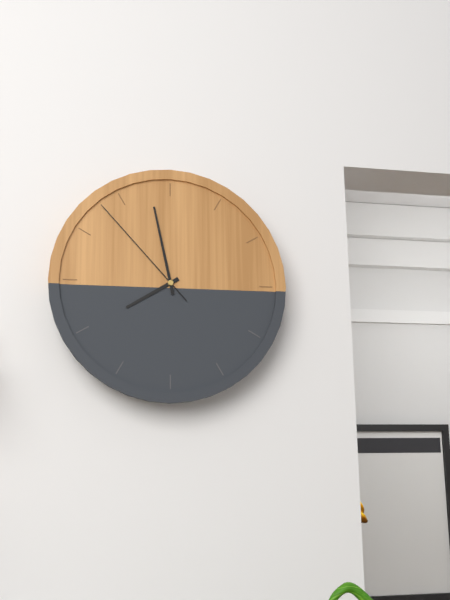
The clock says **7:58:53**
